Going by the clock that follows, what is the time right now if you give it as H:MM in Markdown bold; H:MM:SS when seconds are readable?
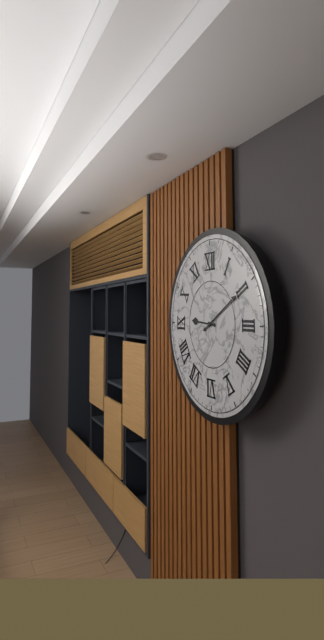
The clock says **9:10**
